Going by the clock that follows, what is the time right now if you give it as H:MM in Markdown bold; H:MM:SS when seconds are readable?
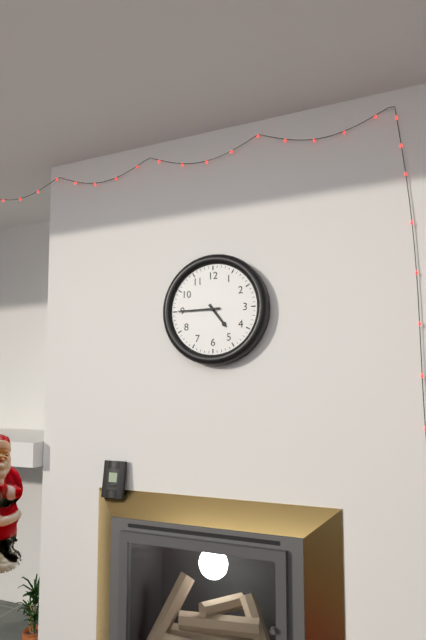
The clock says **4:45**
